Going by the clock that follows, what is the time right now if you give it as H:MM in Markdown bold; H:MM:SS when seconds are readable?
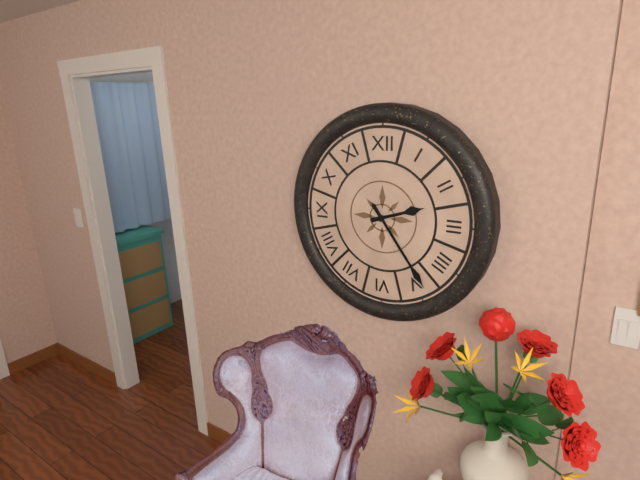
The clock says **2:24**
